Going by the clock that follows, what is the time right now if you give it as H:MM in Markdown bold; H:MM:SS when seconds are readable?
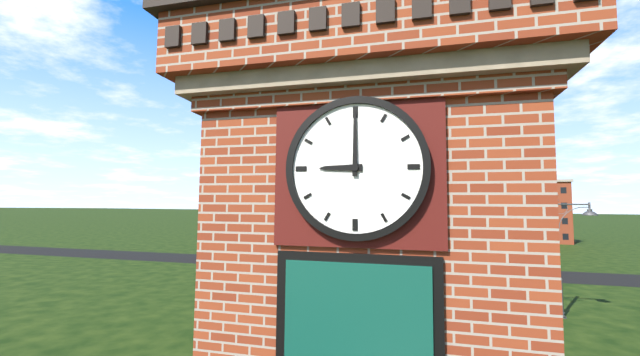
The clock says **9:00**
